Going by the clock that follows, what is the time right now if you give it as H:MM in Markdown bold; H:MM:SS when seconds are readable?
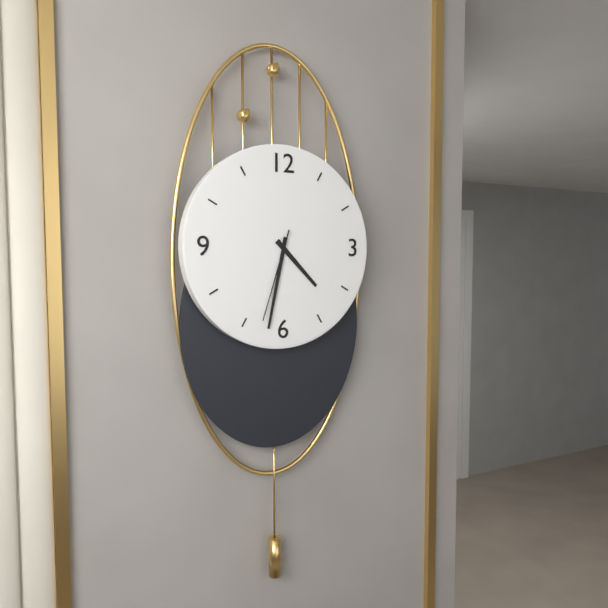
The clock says **4:32:33**
